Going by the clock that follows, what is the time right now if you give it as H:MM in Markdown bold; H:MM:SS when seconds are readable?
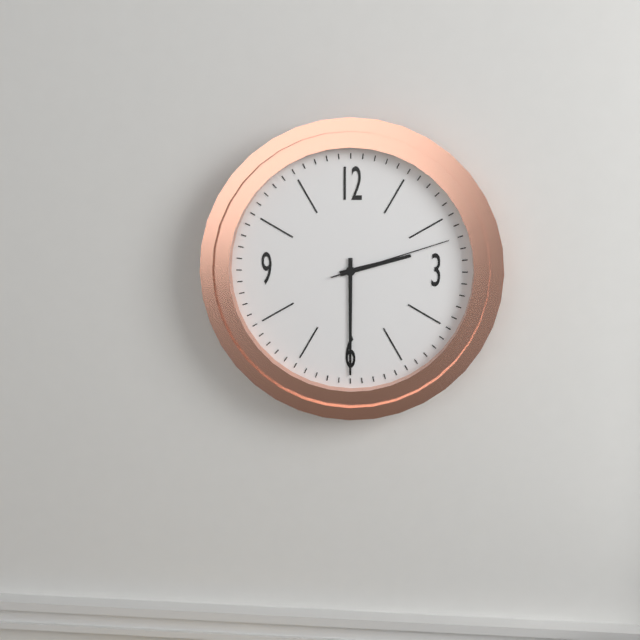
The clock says **2:30:12**
